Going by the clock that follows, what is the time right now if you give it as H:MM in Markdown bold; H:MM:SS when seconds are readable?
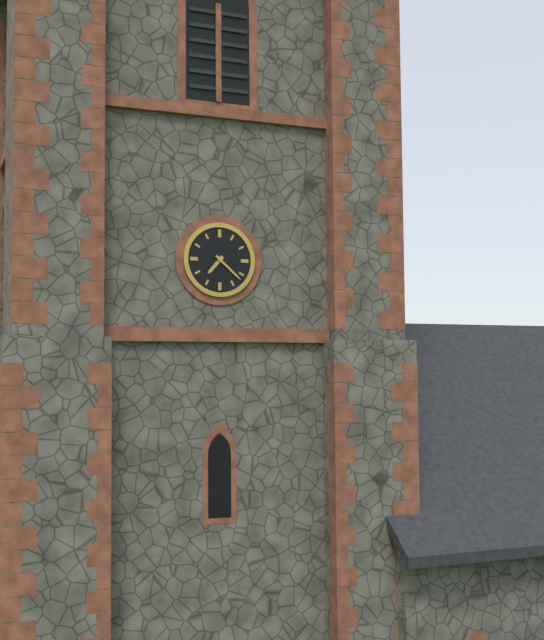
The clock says **7:22**
